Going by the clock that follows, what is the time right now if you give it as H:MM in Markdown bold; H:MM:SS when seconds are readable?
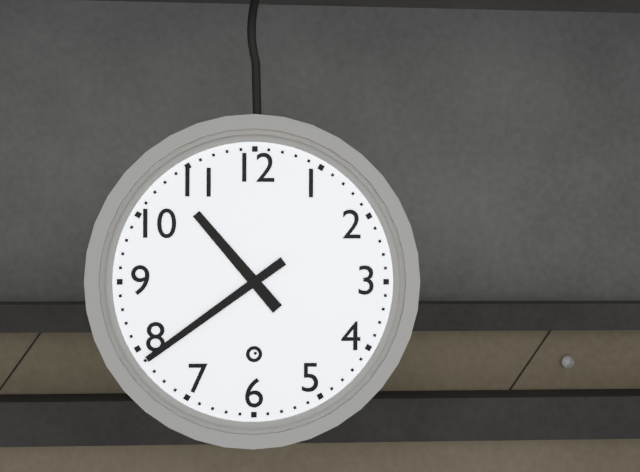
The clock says **10:39**
